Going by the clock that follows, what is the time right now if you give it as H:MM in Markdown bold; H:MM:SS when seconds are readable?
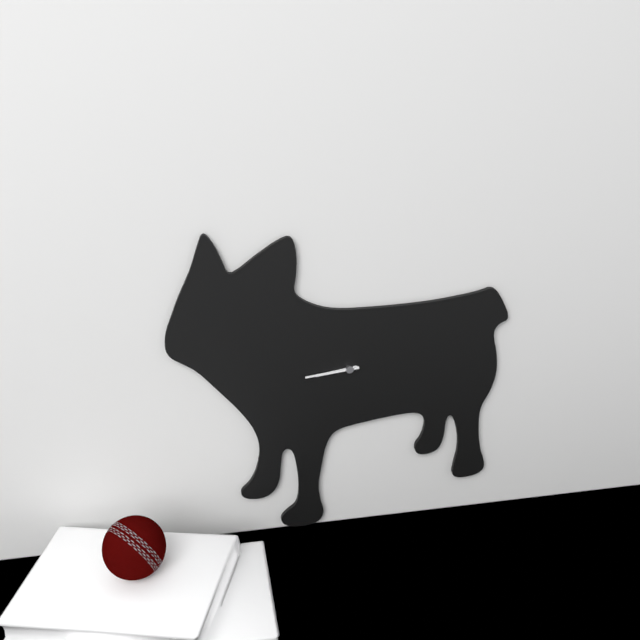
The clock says **8:44**
